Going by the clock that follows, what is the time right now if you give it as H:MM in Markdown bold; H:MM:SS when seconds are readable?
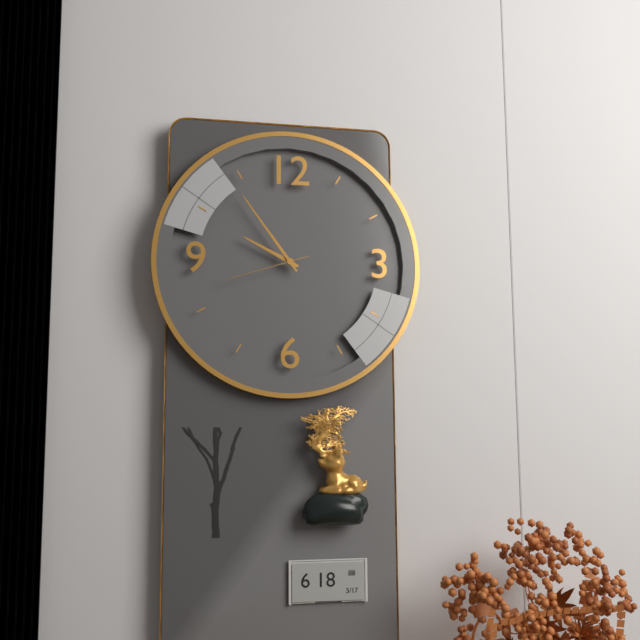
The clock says **9:54:42**
